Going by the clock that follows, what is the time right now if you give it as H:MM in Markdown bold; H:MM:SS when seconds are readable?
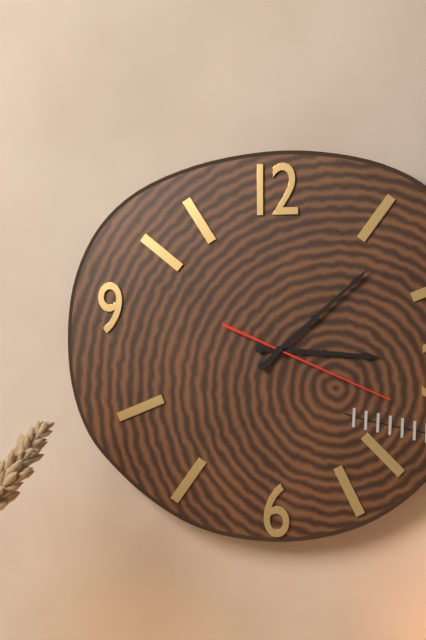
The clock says **3:08:19**
